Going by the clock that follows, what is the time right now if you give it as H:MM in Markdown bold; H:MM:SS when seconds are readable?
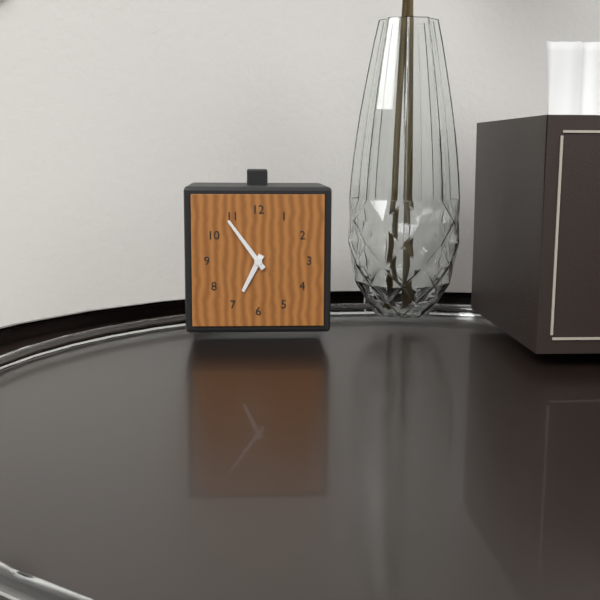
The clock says **6:54**
